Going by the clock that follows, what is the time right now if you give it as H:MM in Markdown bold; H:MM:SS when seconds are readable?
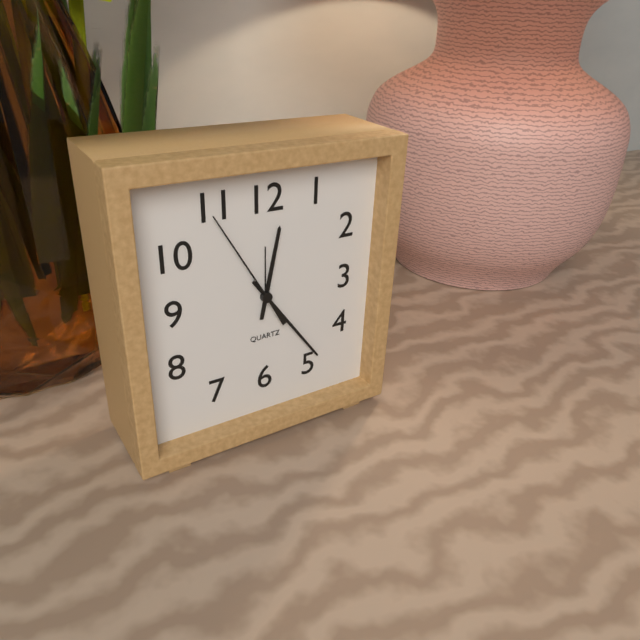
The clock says **12:24:55**
